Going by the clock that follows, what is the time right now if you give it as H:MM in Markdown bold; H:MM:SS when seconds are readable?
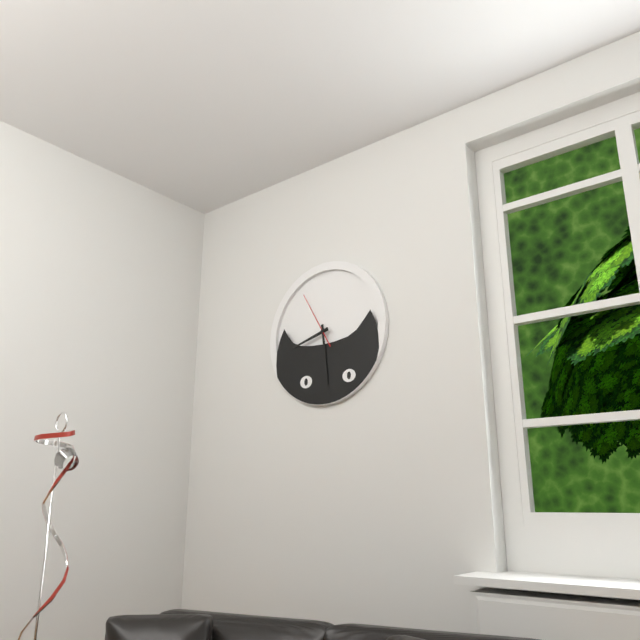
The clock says **8:29:55**
